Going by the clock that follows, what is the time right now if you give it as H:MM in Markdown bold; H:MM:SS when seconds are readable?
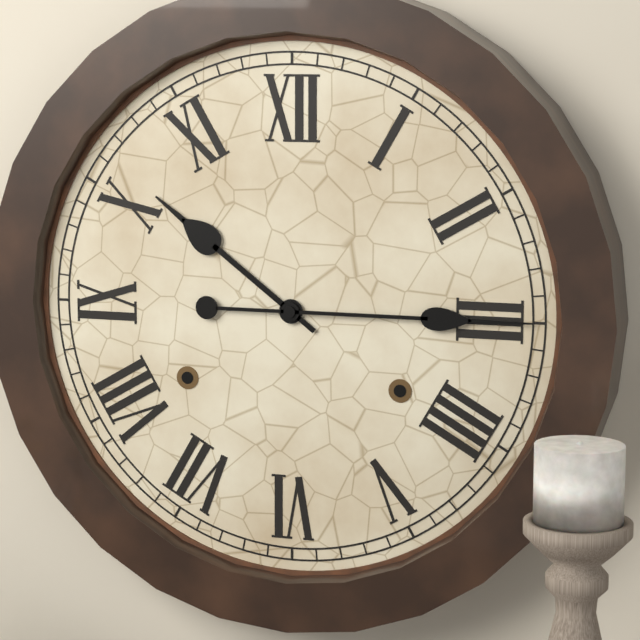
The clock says **10:15**
